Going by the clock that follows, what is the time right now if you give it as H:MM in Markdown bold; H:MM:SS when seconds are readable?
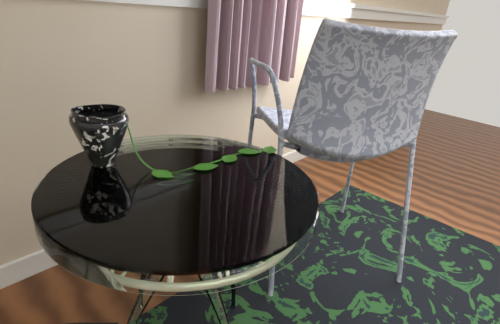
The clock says **5:44**
